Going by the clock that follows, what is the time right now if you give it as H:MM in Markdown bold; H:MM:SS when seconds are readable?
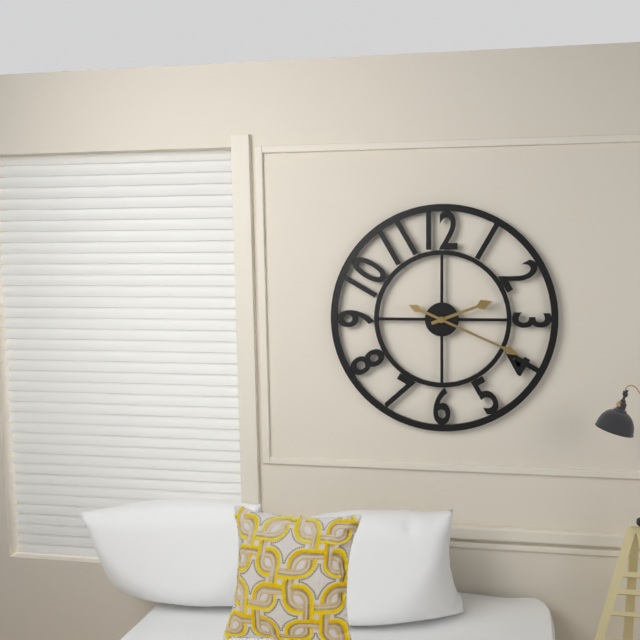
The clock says **2:19**
